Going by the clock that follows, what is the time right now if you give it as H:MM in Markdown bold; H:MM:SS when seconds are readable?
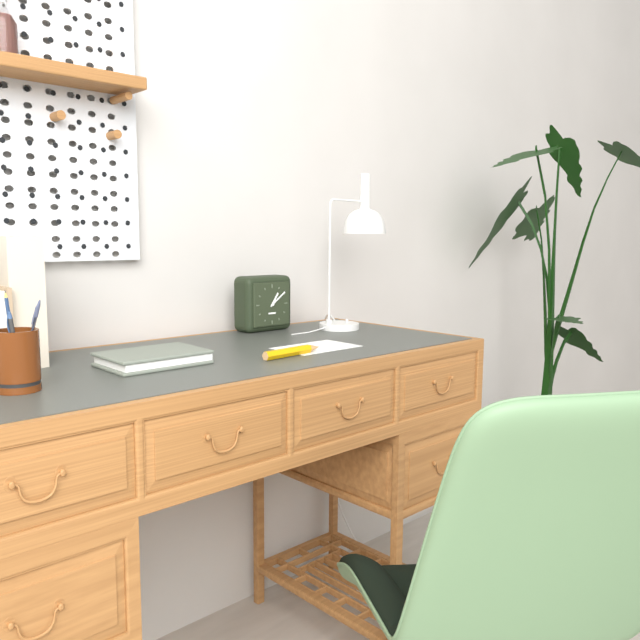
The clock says **1:09**
